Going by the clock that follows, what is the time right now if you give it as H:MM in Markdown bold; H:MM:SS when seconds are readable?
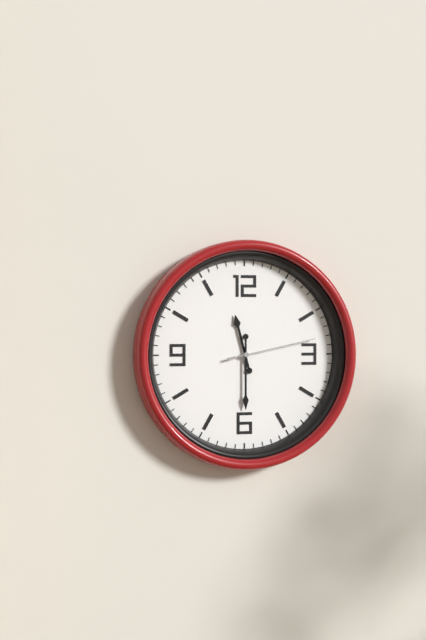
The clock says **11:30:13**
